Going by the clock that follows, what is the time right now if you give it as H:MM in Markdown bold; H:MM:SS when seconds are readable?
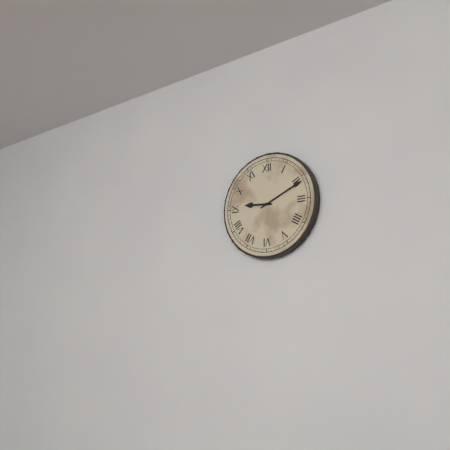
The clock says **9:11**
